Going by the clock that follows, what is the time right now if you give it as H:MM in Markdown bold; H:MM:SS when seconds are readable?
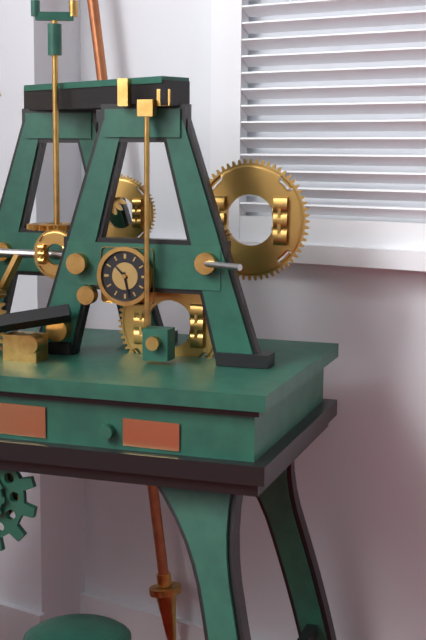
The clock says **10:28**
